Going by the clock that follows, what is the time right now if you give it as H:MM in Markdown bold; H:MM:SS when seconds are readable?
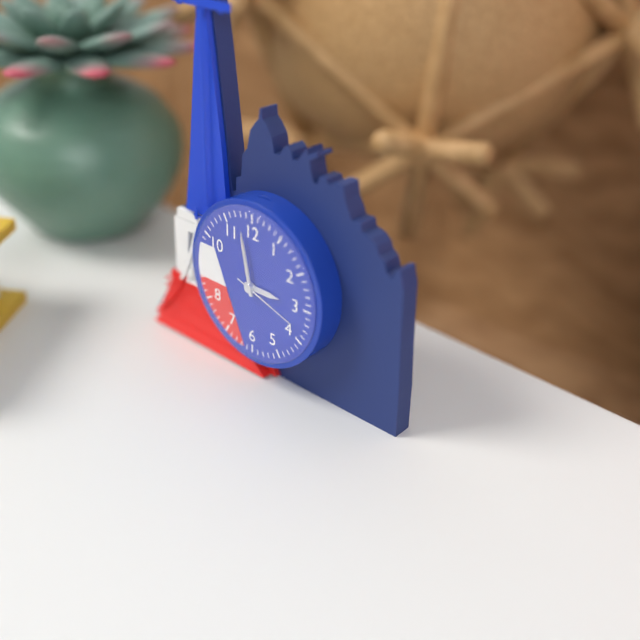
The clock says **2:58:18**
